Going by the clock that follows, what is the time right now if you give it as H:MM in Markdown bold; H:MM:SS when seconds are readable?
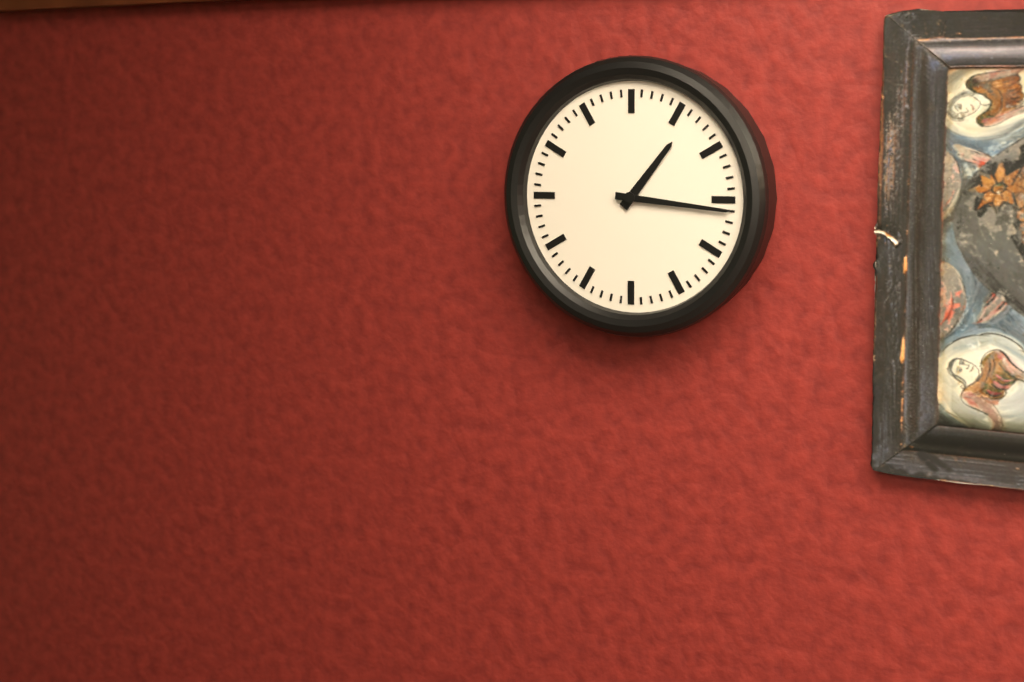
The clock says **1:16**
